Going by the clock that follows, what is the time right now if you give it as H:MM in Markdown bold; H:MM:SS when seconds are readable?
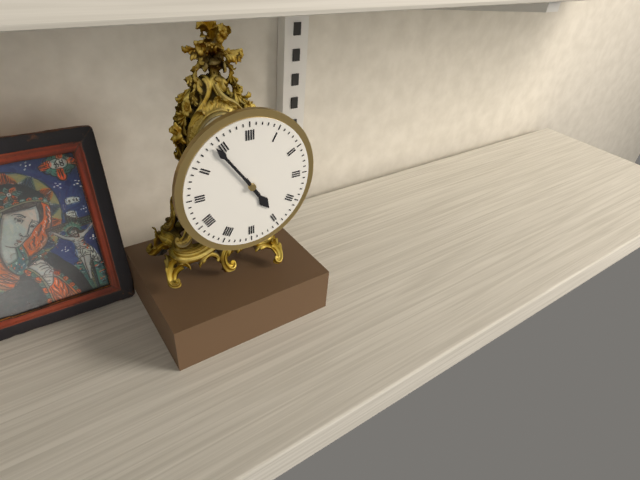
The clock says **4:54**
